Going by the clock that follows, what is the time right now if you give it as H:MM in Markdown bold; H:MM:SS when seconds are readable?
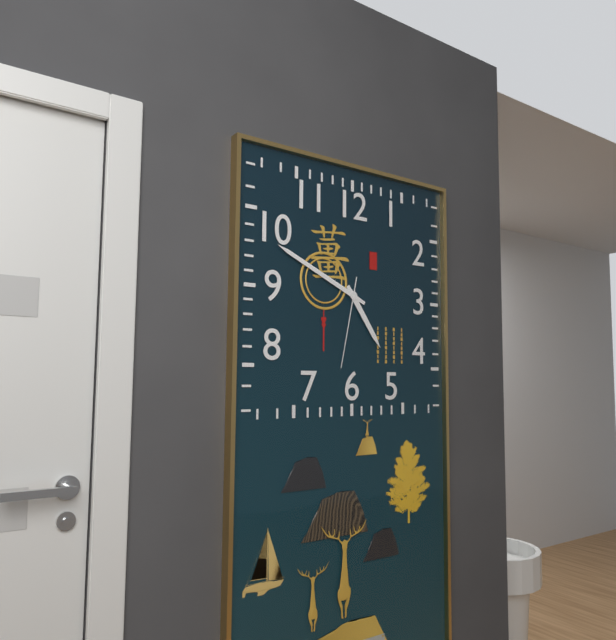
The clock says **4:49:32**
